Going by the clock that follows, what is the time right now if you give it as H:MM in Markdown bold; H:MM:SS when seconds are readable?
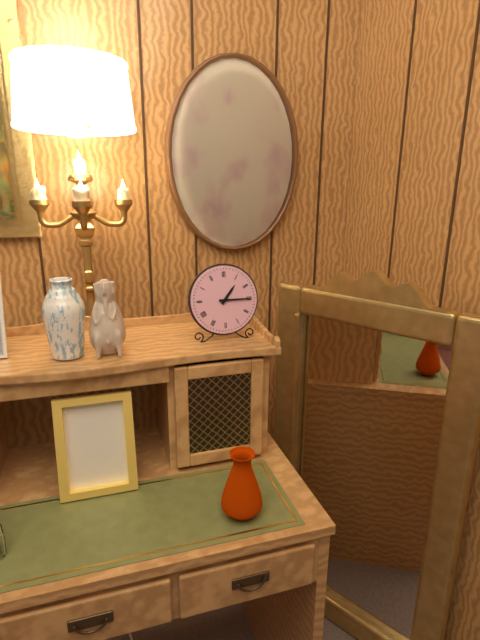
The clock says **1:15**
